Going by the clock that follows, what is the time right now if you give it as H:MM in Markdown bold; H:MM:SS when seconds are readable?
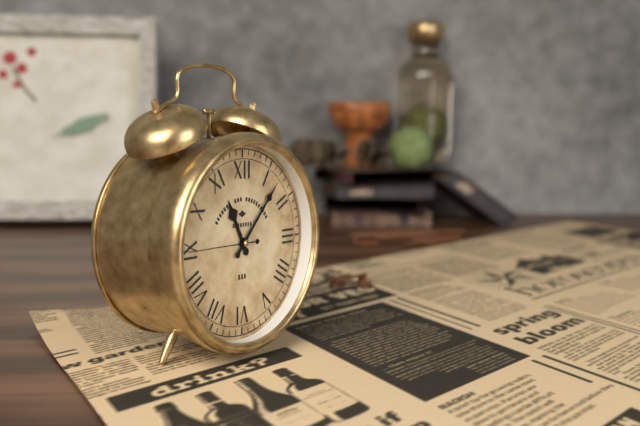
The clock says **11:07:45**
